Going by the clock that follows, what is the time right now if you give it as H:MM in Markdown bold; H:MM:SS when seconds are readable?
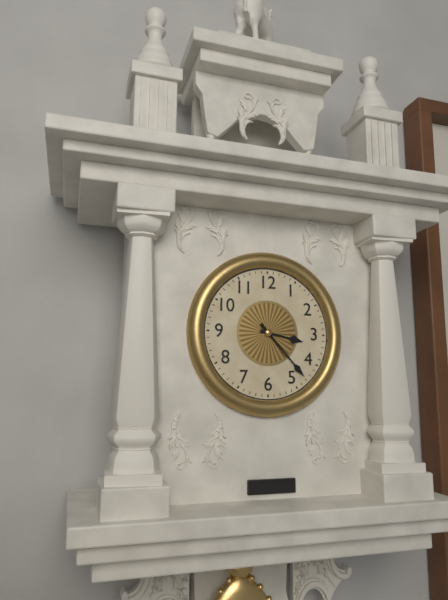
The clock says **3:23**
